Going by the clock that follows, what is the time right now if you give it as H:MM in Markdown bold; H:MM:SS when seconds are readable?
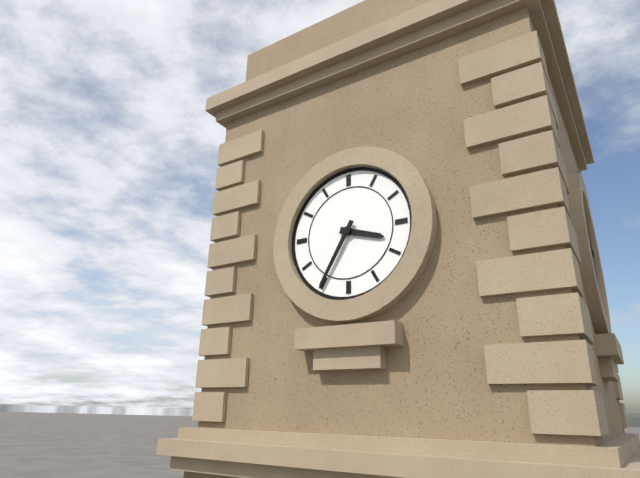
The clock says **3:35**
